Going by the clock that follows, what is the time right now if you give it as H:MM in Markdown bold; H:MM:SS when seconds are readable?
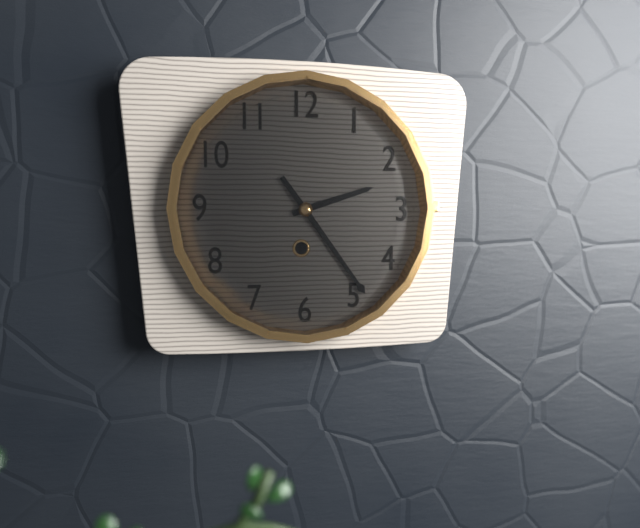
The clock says **2:24**
